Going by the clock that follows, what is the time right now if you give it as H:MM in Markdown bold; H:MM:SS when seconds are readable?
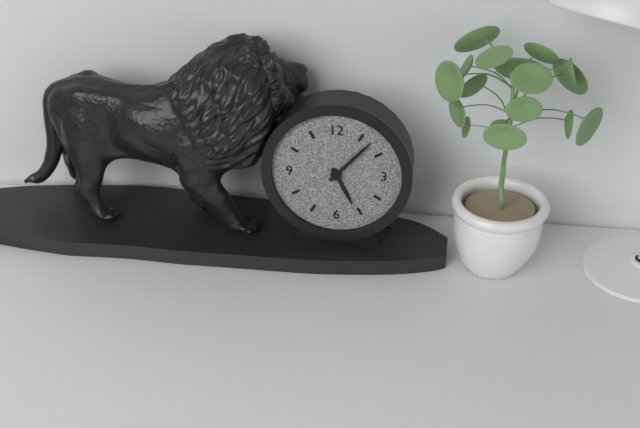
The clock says **5:07**
